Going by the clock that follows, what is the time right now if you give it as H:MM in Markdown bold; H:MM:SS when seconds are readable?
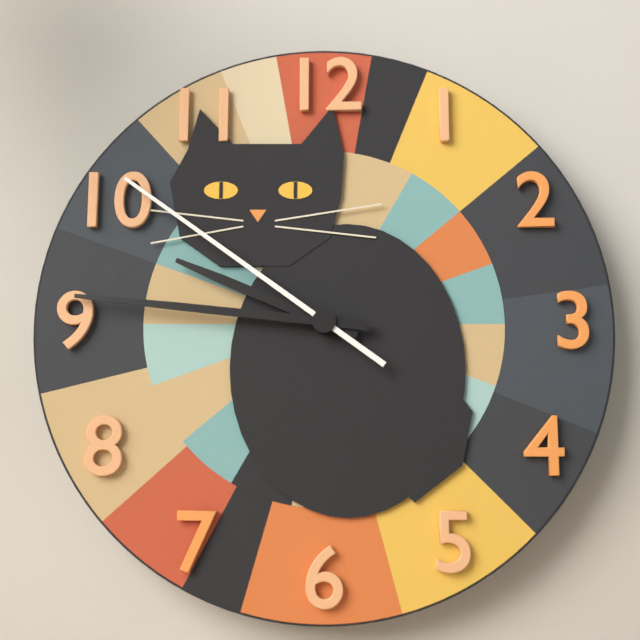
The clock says **9:46:51**
